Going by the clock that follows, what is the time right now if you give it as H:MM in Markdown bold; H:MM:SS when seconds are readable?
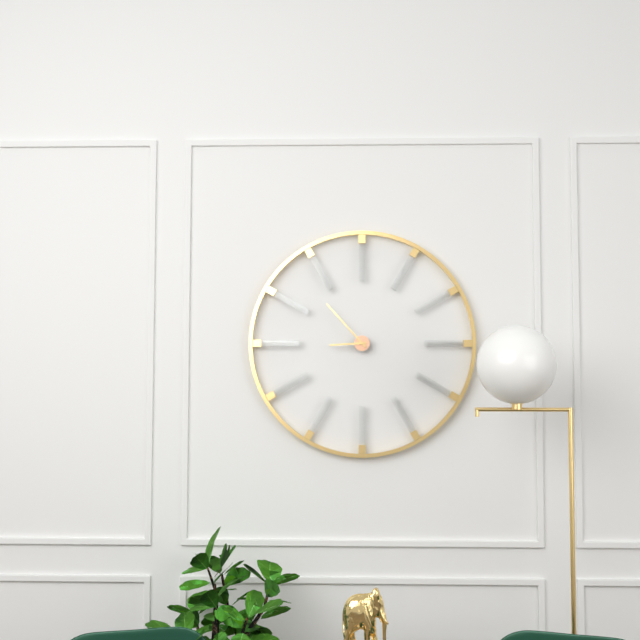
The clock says **8:53**
